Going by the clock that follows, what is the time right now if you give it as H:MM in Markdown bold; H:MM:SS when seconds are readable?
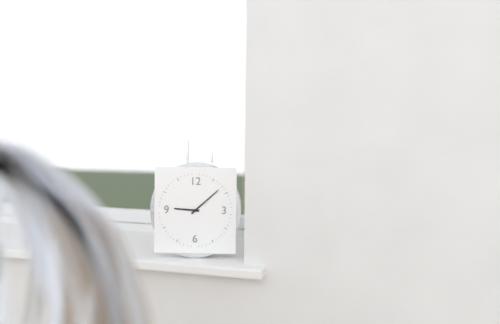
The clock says **9:08**
